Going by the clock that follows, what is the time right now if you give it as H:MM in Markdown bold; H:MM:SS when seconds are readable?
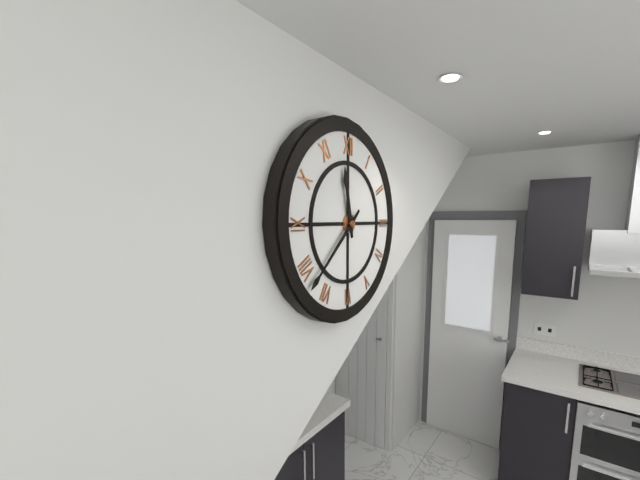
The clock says **11:38**
